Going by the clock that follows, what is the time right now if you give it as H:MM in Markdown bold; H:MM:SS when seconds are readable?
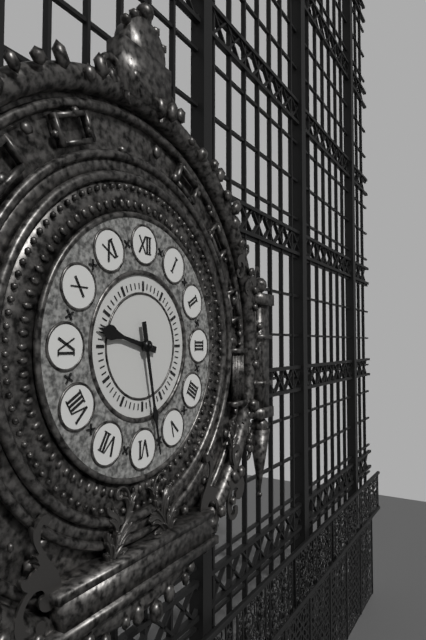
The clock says **9:28**
